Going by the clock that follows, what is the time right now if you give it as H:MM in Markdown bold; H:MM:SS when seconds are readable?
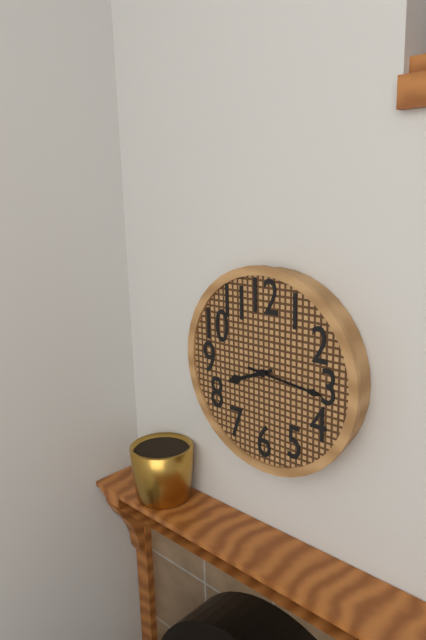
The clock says **8:16**
